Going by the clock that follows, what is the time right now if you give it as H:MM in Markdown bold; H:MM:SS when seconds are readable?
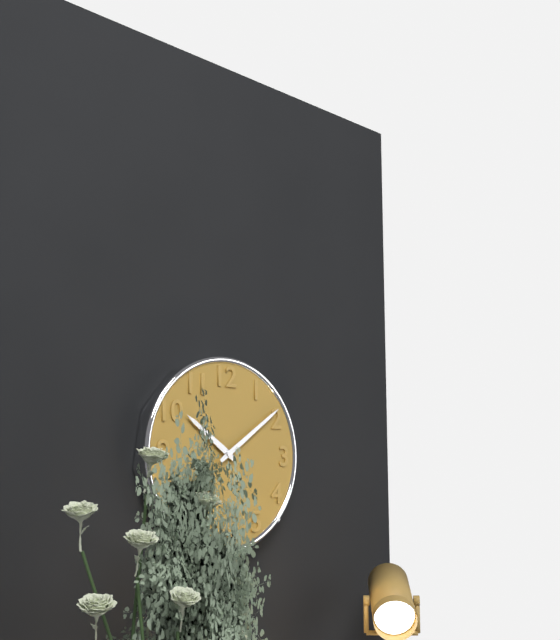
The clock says **10:09**
